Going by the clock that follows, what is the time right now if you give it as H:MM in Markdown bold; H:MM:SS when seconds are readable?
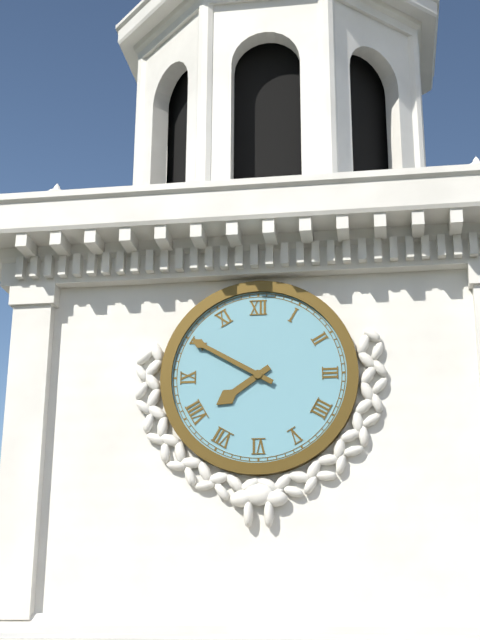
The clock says **7:50**
